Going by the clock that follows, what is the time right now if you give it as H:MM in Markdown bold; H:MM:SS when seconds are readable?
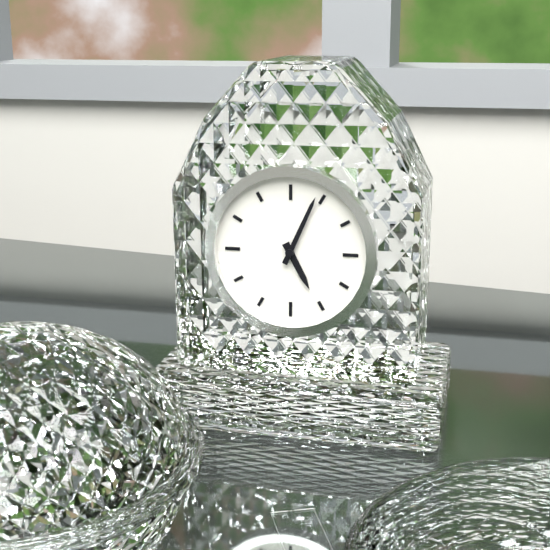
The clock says **5:04**
